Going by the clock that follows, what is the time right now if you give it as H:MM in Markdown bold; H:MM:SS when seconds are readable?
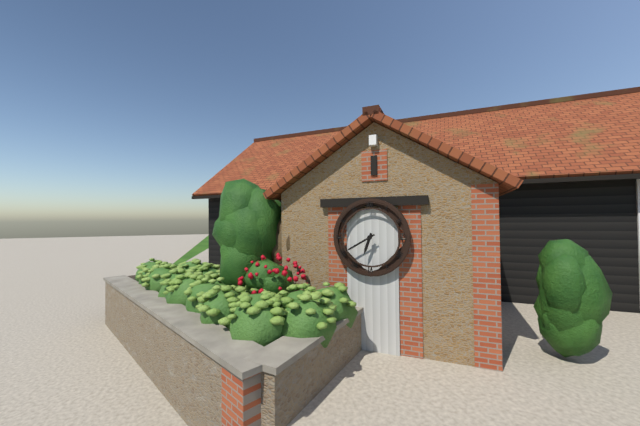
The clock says **6:40**
